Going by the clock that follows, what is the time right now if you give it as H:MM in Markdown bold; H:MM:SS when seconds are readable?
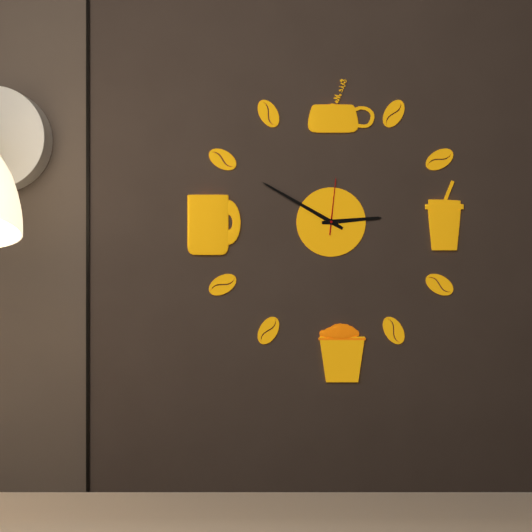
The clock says **2:50:01**
